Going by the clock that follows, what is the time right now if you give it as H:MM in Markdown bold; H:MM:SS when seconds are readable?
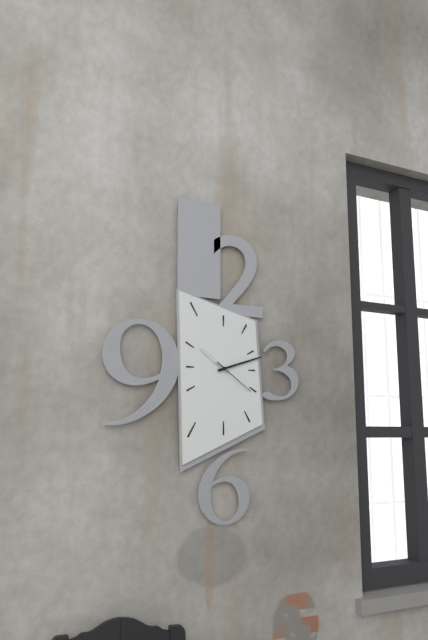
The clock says **10:12**
